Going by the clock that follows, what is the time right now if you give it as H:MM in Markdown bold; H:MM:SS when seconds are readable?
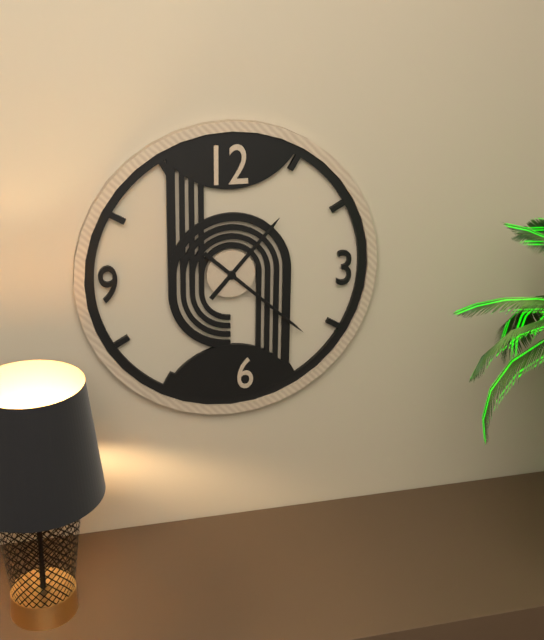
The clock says **1:22**
